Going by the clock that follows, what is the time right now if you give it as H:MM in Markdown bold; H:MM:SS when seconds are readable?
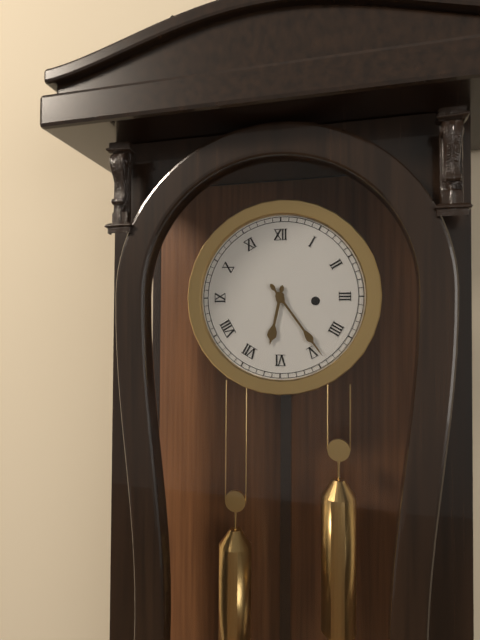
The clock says **6:24**
